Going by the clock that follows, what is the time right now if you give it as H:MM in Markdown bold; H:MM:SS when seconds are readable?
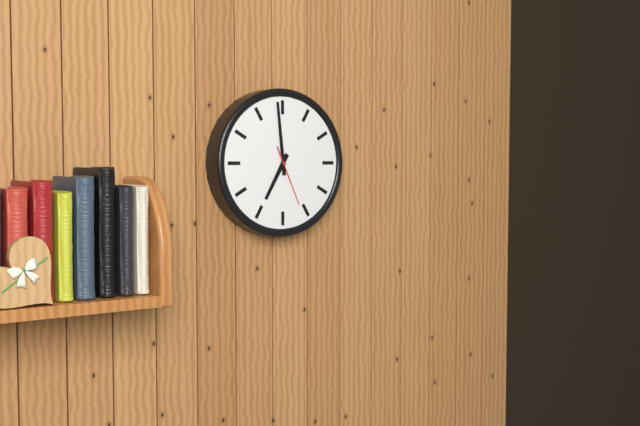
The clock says **6:59:26**
